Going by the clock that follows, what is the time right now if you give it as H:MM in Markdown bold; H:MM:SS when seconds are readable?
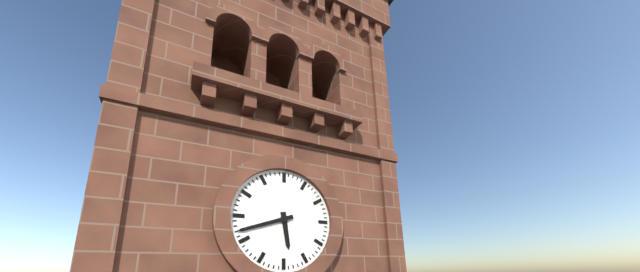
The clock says **5:42**
